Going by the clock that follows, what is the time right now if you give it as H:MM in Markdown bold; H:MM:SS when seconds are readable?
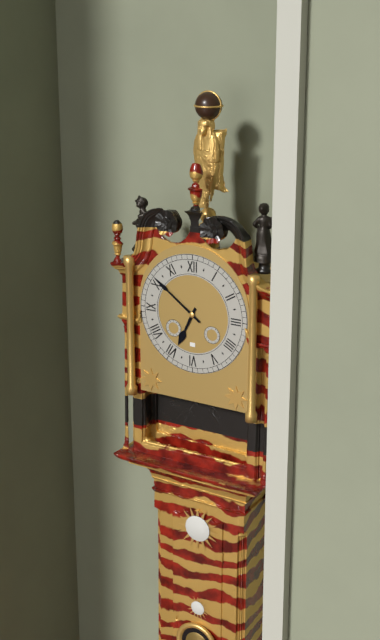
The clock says **6:51**
